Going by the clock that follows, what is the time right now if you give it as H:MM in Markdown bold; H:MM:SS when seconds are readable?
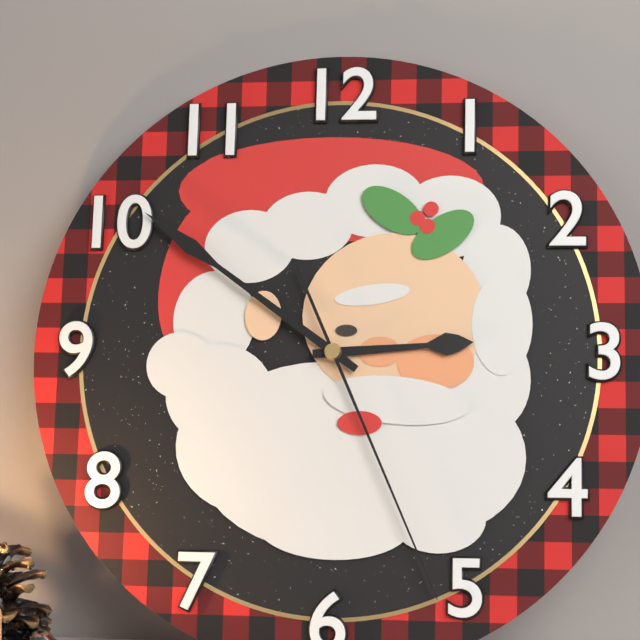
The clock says **2:51:26**
